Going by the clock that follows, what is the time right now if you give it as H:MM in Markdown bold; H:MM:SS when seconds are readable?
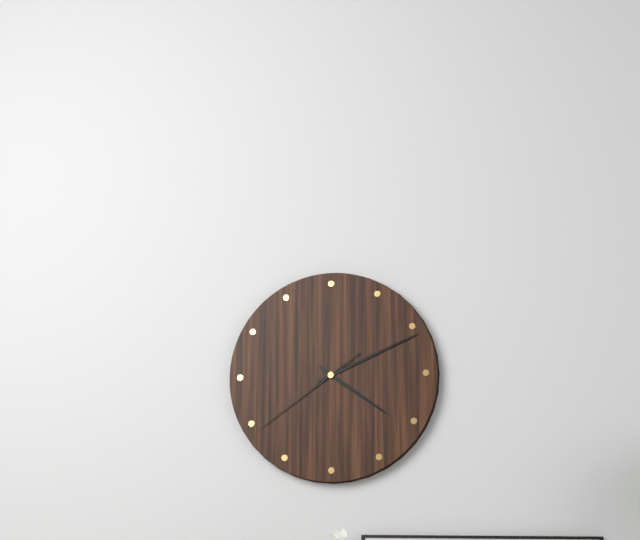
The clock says **4:11:39**
